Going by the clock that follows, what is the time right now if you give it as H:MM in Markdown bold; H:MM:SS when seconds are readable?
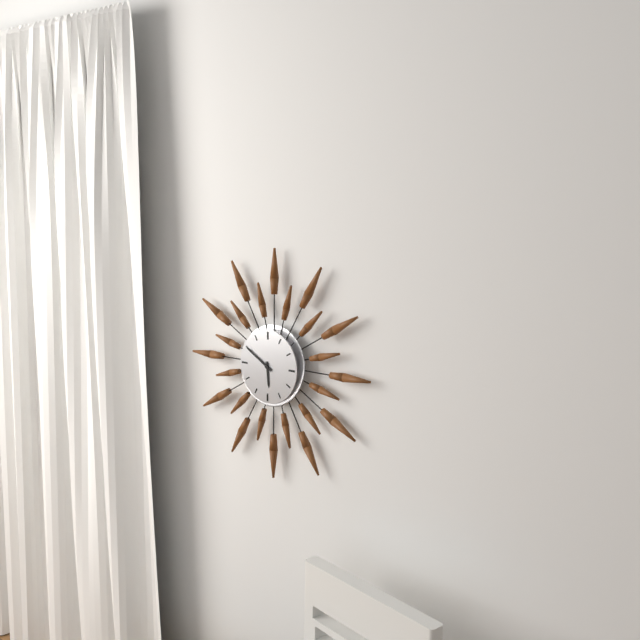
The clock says **5:50**
